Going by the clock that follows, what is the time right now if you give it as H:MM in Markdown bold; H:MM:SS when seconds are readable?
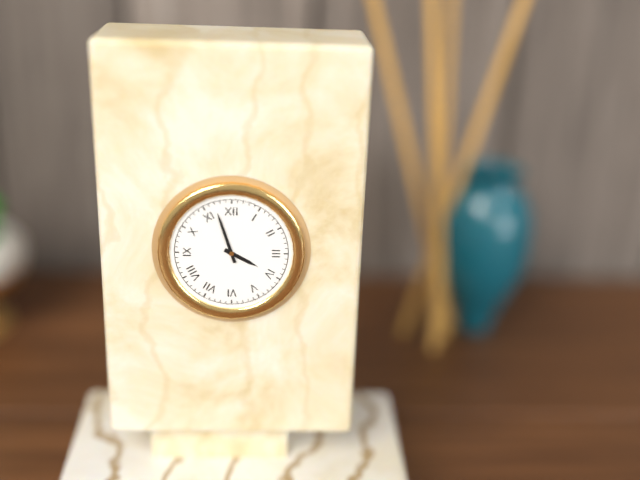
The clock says **3:57**
